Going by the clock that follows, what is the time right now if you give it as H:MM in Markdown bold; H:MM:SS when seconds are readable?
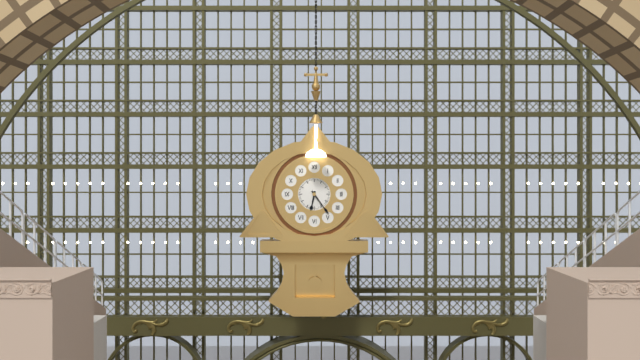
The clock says **6:24**
